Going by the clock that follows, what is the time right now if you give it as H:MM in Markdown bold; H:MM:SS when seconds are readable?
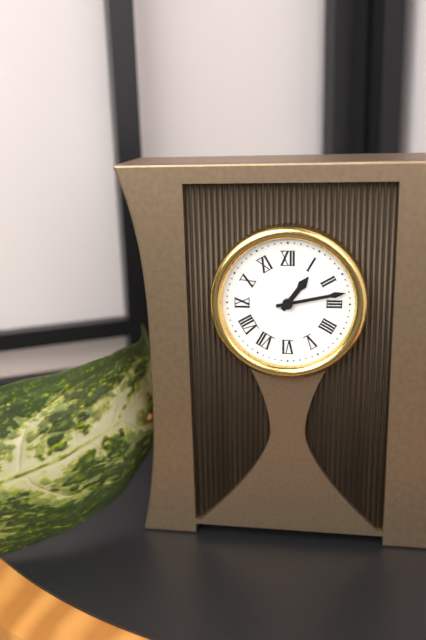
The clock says **1:13**
